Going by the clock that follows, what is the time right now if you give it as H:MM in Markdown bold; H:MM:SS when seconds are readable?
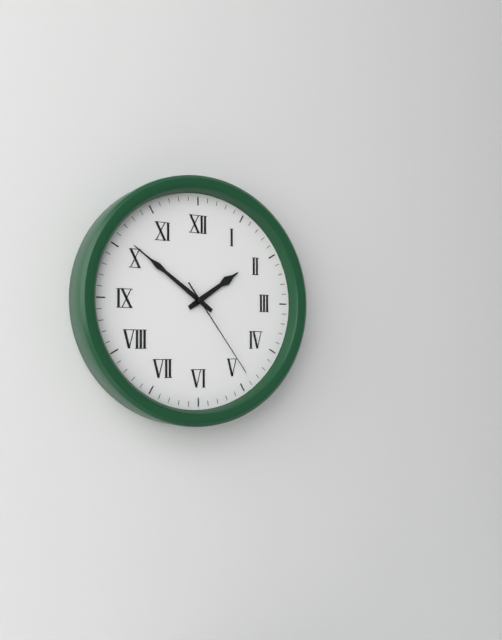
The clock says **1:51:24**
